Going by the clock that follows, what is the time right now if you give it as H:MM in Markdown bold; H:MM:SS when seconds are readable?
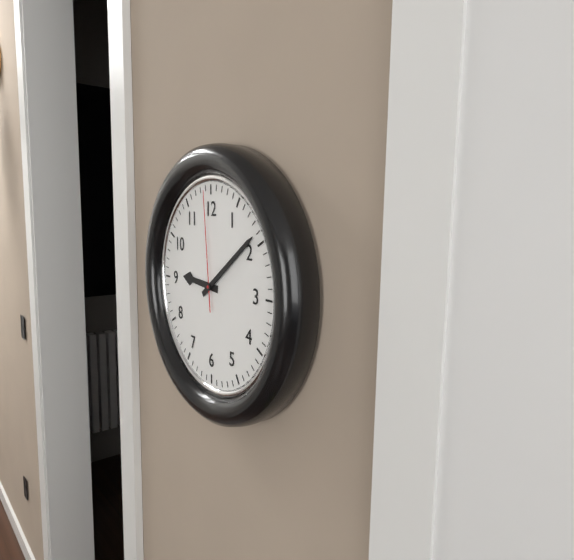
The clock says **9:09:59**
